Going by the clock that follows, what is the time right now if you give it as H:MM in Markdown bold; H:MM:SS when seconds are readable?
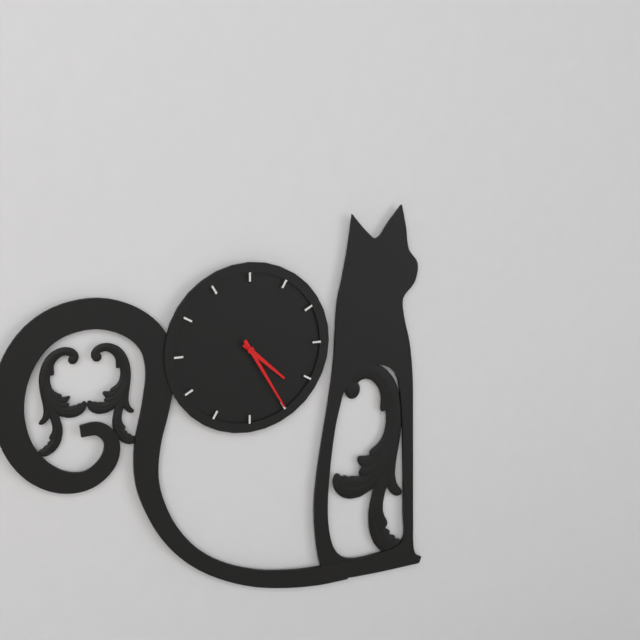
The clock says **4:25**
